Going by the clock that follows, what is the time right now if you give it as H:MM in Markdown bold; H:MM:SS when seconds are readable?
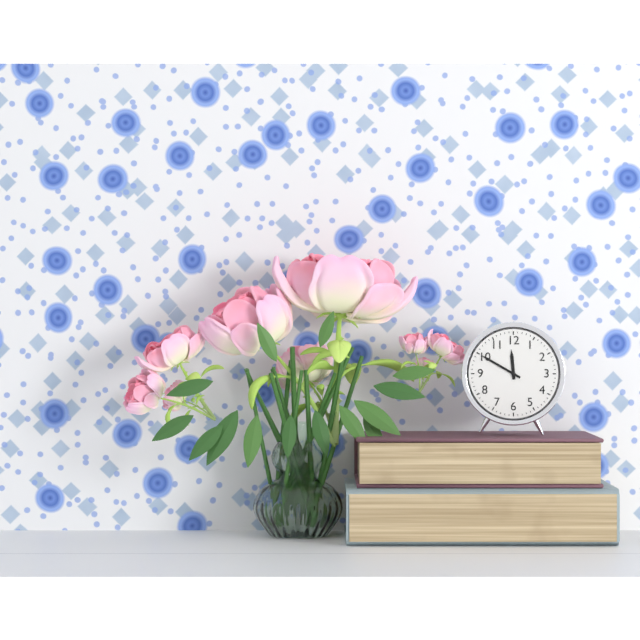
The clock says **11:50**
